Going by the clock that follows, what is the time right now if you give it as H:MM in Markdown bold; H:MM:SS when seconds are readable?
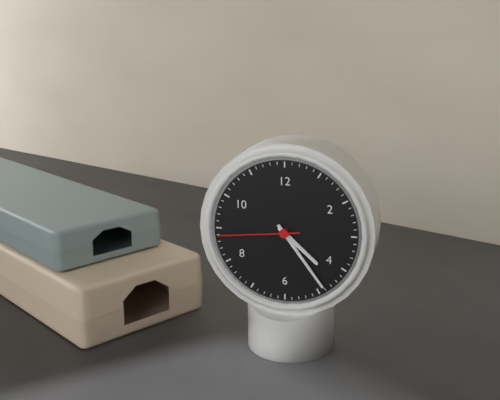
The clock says **4:24:44**
